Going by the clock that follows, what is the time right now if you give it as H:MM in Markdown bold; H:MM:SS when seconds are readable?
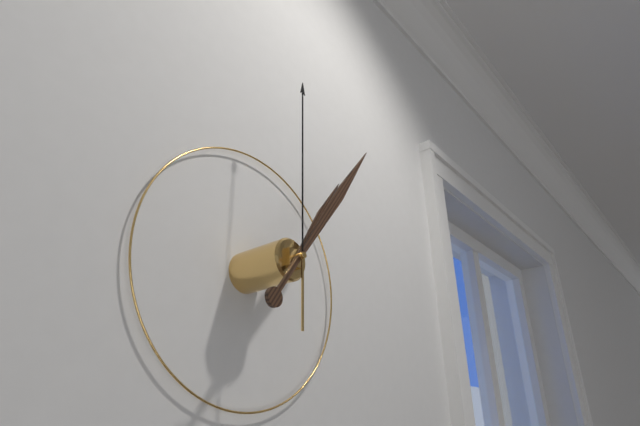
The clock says **1:06:00**
